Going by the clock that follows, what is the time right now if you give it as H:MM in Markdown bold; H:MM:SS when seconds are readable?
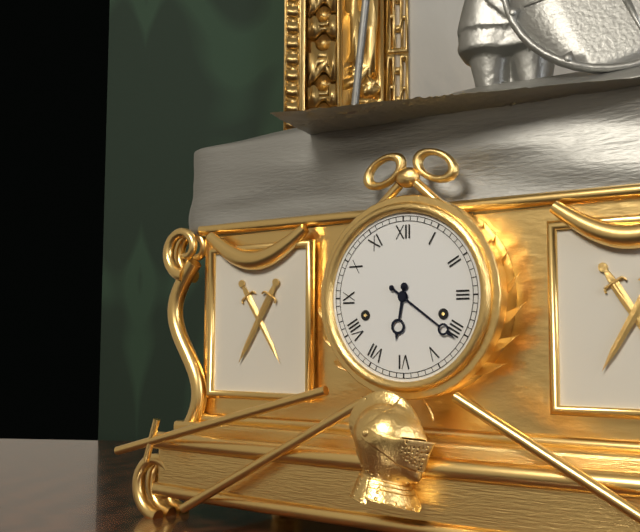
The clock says **6:21**
